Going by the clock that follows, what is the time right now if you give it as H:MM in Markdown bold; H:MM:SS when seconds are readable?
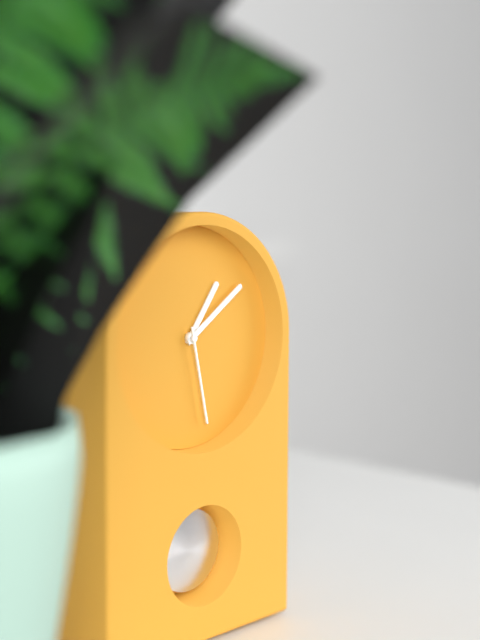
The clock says **1:09:28**
